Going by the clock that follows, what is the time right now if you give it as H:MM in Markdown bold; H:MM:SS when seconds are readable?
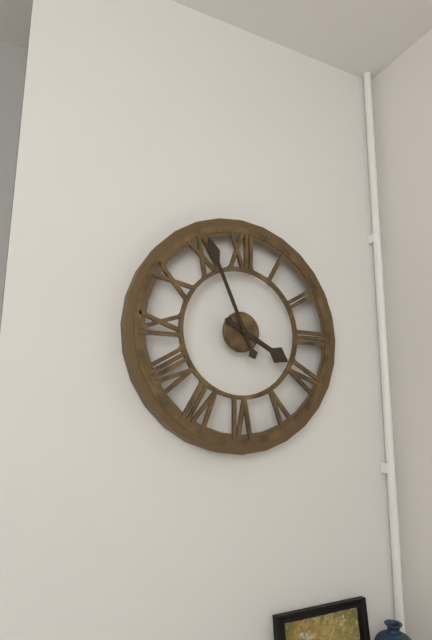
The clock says **3:56**
